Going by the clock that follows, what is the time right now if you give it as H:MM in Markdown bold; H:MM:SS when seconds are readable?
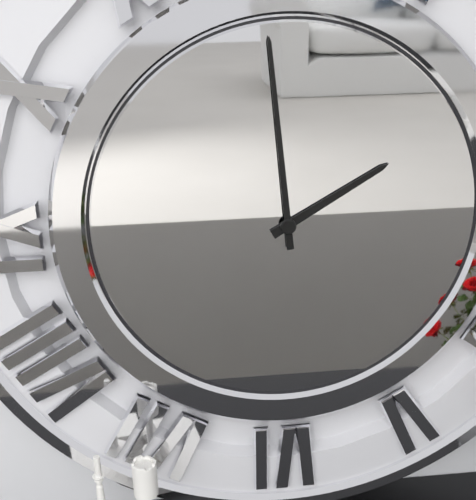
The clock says **1:59**
